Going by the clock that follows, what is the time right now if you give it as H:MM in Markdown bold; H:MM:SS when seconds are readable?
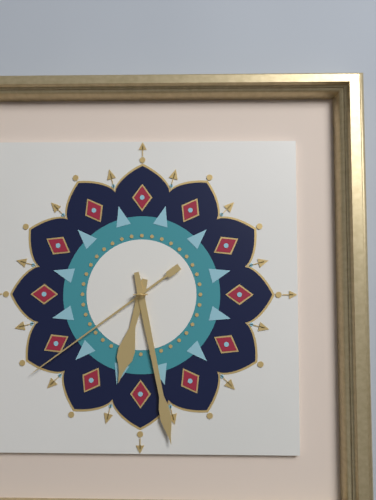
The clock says **6:28:39**
